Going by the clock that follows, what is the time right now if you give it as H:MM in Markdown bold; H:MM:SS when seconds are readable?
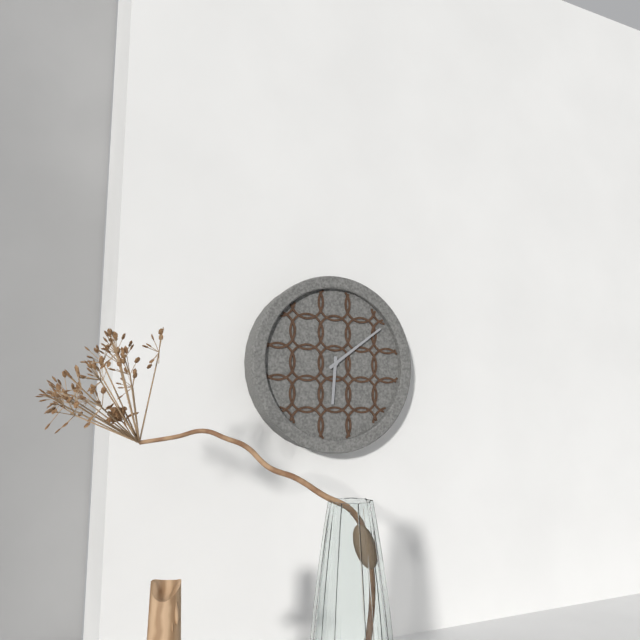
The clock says **6:09**
